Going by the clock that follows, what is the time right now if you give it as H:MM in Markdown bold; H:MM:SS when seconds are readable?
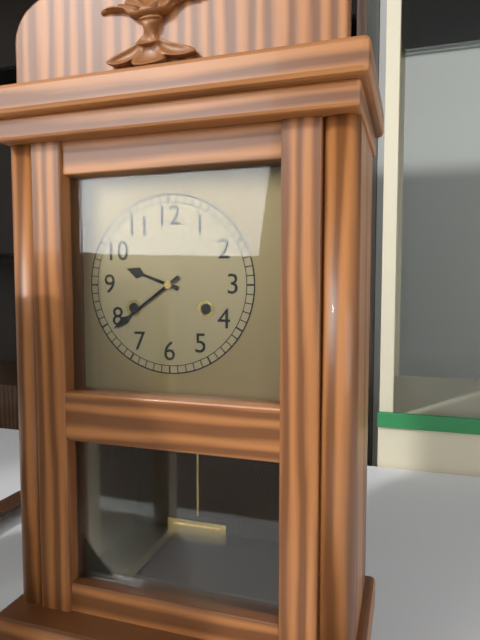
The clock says **9:39**
